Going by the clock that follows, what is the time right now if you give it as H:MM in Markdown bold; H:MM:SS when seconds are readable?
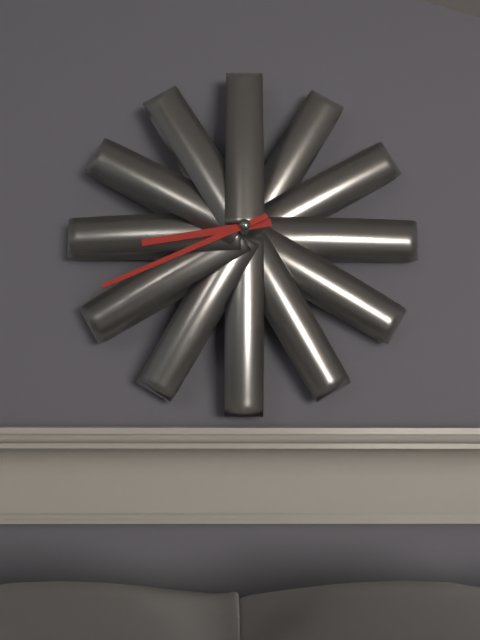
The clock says **8:41**
